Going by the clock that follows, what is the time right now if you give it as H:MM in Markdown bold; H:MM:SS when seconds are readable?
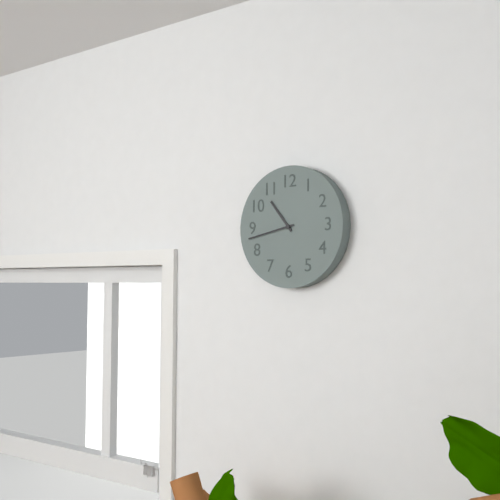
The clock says **10:43**
